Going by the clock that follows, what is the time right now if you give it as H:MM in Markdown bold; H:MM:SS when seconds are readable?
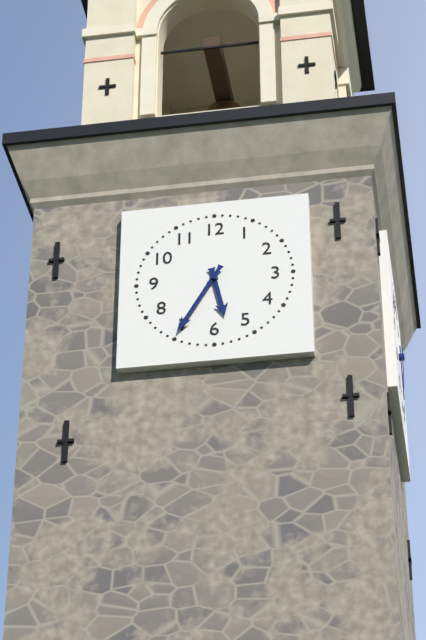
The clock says **5:35**
